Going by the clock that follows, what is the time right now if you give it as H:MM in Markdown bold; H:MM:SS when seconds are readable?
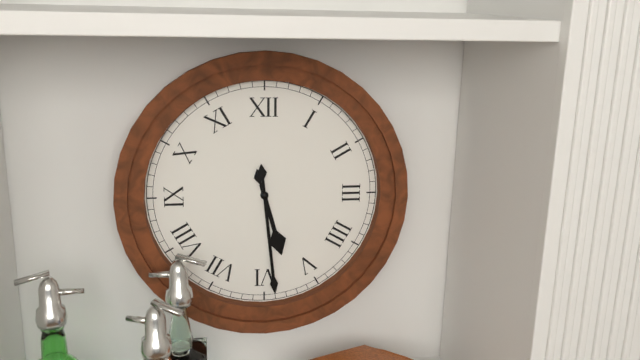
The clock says **5:29**
